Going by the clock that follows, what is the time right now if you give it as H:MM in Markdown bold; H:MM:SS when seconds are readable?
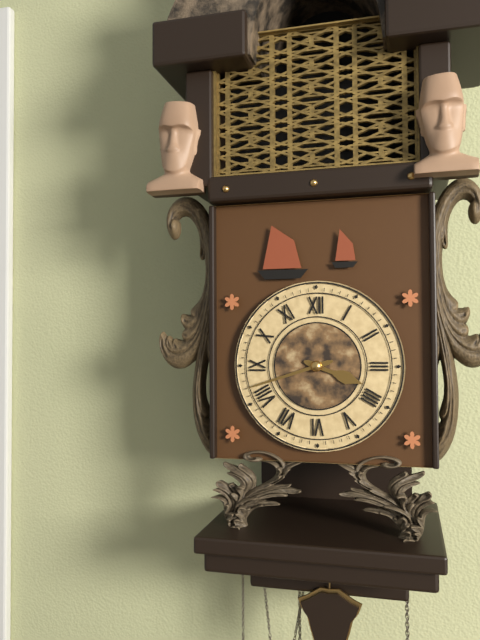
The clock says **3:42**
